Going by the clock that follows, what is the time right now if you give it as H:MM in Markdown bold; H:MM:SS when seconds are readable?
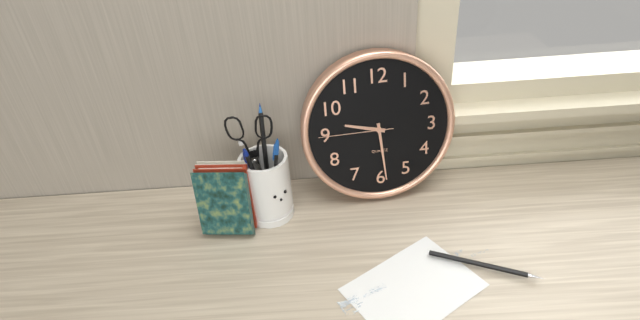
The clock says **9:29:45**
